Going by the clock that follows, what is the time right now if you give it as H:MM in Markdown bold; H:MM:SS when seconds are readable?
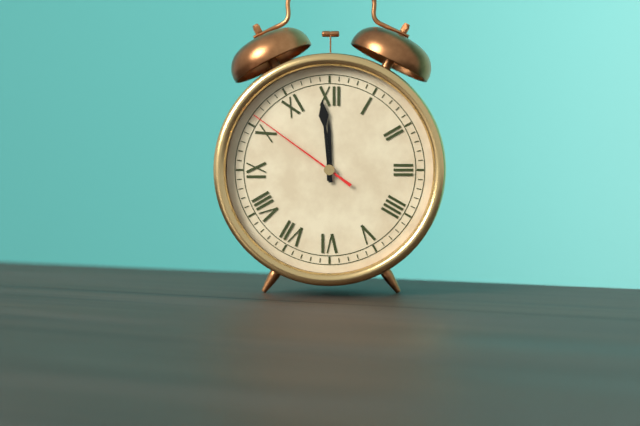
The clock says **11:59:51**
